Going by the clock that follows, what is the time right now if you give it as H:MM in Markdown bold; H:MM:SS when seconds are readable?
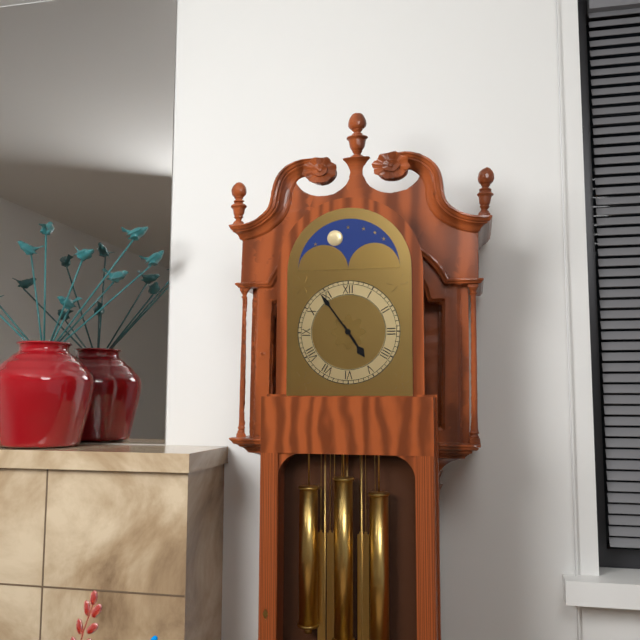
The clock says **4:54**
